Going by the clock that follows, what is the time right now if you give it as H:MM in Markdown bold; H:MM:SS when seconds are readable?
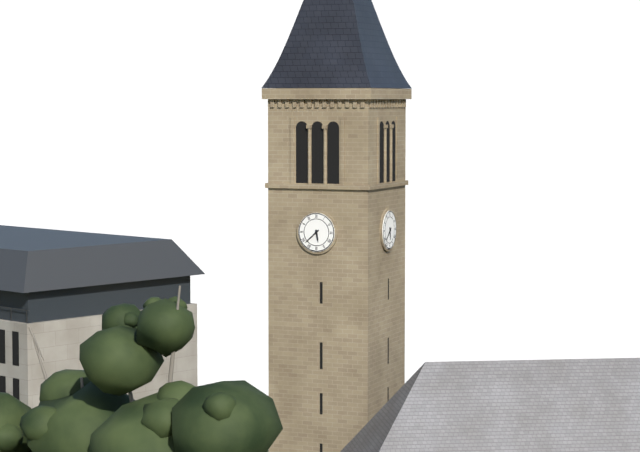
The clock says **5:38**
